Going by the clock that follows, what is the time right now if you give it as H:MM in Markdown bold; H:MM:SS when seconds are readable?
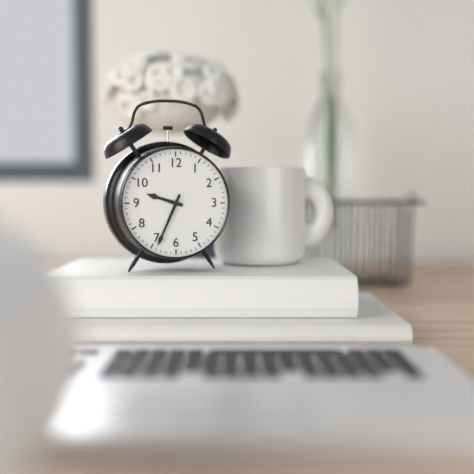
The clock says **9:34**
